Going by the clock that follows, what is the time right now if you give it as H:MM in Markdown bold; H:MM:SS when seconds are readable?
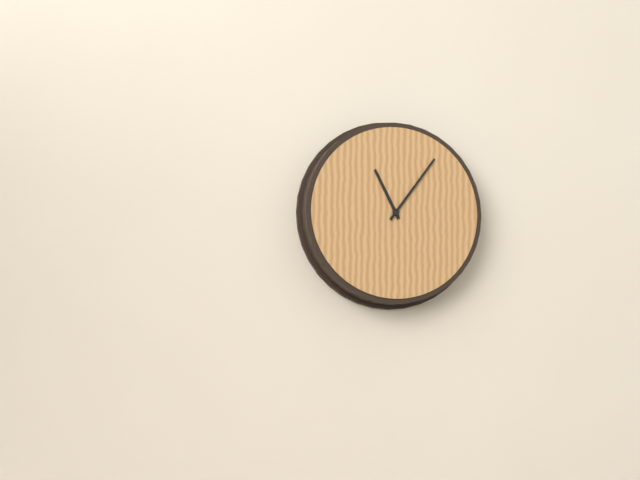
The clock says **11:06**
